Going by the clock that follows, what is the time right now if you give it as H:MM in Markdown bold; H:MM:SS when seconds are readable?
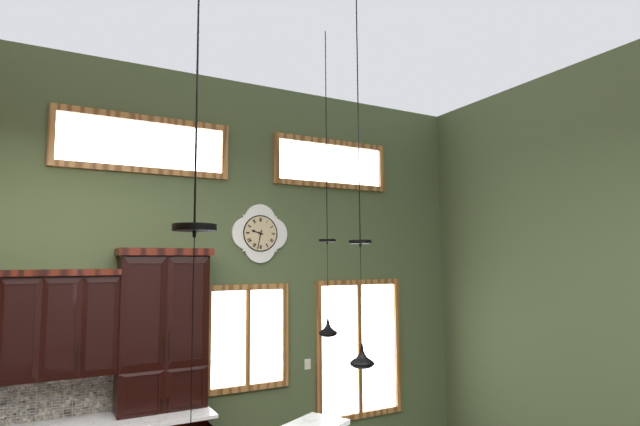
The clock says **9:32**
